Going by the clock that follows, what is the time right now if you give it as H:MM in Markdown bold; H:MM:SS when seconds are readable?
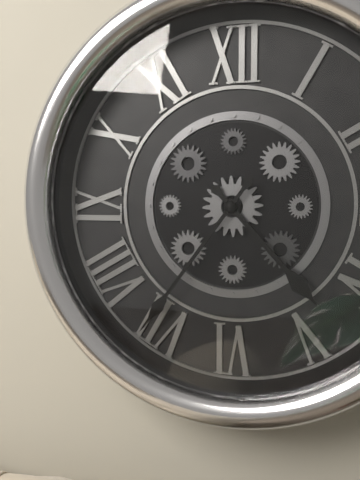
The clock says **4:36**
